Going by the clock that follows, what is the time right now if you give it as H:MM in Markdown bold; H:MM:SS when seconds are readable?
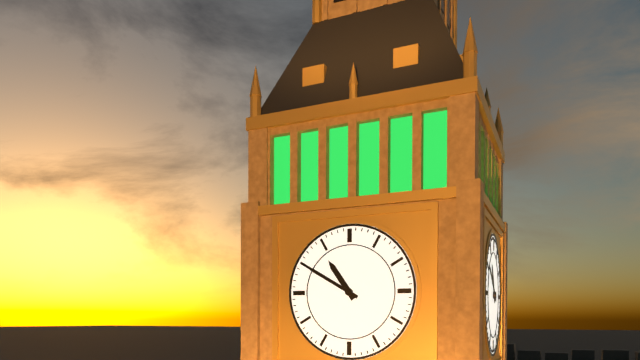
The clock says **10:50**
